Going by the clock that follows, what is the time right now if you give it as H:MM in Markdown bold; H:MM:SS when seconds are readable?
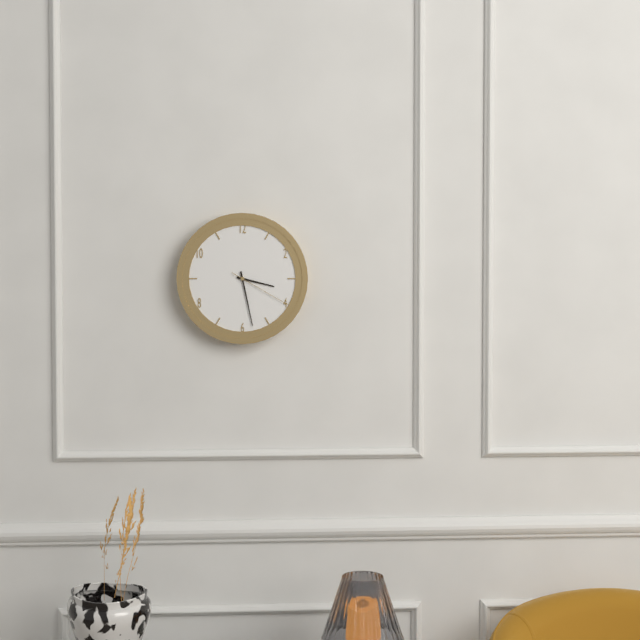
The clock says **3:28:20**
